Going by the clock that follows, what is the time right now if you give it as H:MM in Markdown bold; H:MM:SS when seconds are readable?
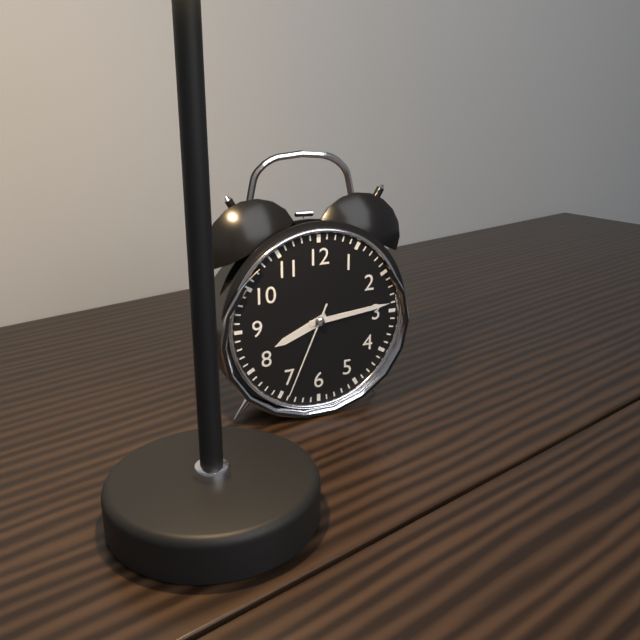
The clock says **8:14:34**
